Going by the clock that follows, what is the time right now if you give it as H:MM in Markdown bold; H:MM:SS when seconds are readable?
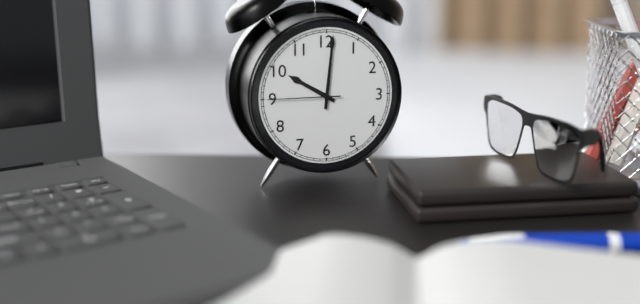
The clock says **10:01:45**
